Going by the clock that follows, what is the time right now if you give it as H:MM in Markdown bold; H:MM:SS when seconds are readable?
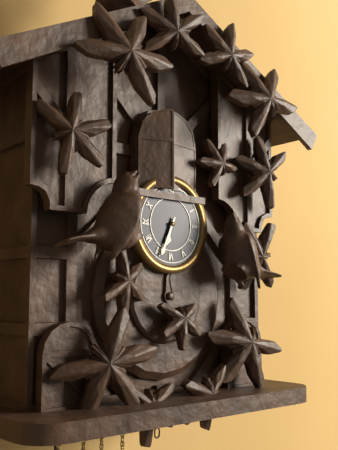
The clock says **6:34**
